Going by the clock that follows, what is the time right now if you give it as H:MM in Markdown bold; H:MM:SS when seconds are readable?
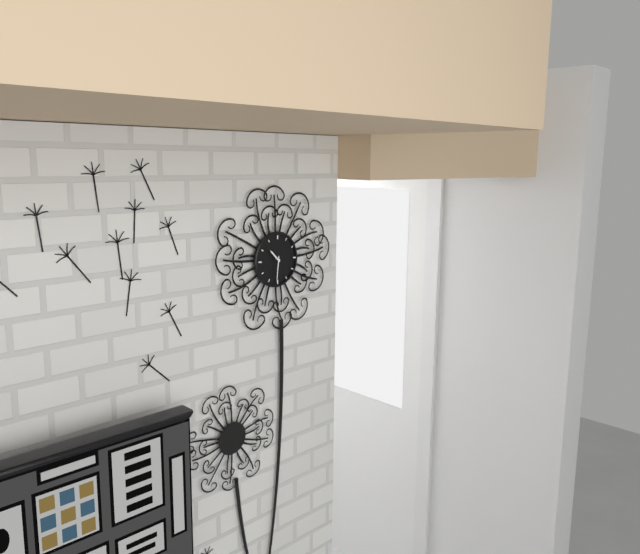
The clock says **10:31**
